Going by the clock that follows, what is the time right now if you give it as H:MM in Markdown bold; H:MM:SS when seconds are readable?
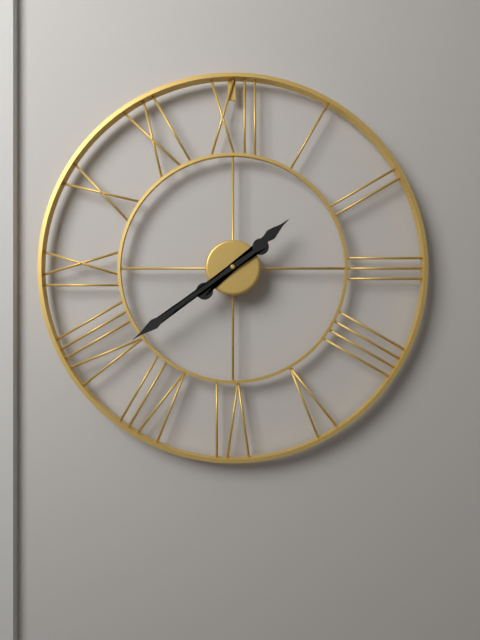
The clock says **1:39**
